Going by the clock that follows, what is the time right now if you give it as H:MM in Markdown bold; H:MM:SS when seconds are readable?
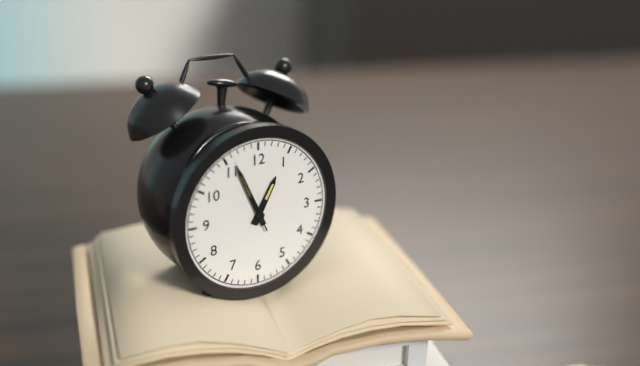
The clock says **12:56:56**
